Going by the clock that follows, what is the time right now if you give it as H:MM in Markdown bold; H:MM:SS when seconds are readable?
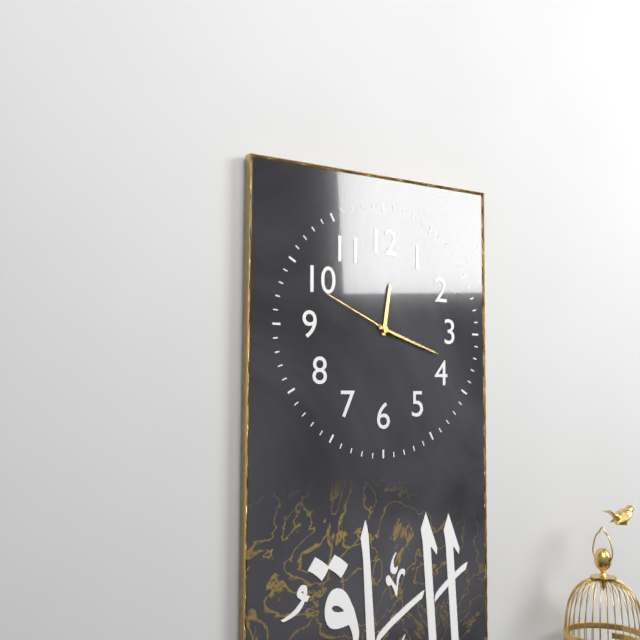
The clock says **12:18:49**
